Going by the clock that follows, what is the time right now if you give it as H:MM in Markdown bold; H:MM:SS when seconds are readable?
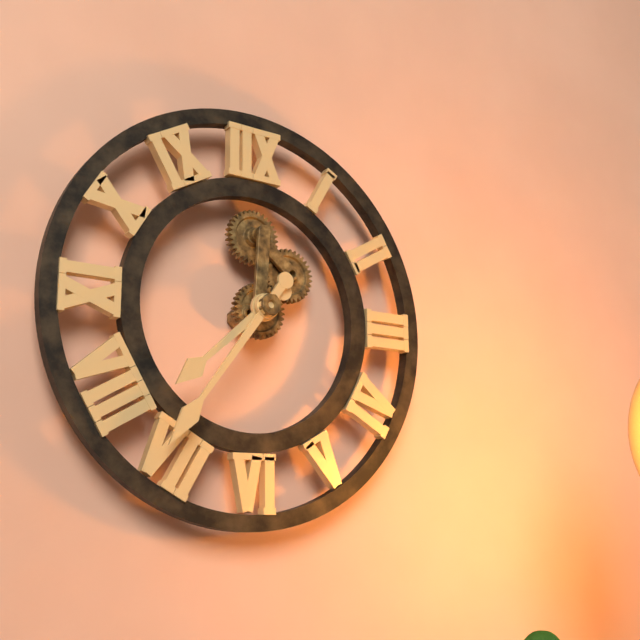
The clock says **7:36**
